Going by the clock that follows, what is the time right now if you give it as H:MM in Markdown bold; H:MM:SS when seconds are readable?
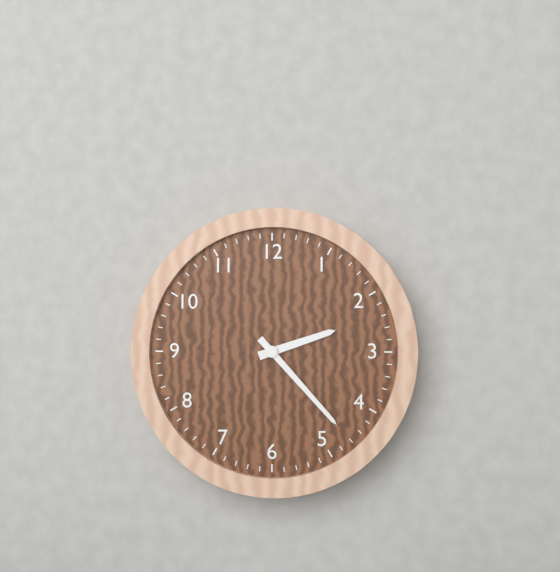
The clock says **2:23**
